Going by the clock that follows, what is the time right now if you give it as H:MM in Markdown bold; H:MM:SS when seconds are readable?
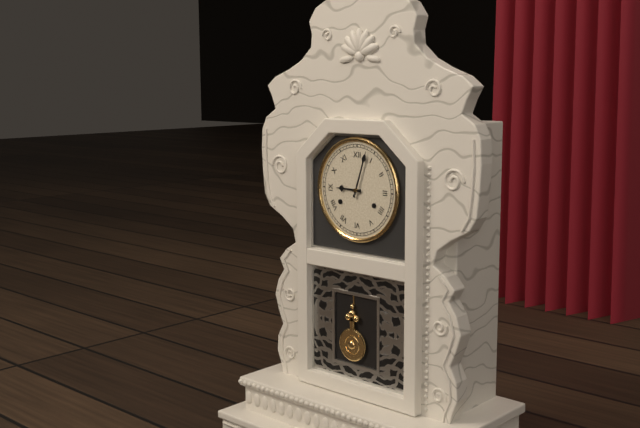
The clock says **9:03**
